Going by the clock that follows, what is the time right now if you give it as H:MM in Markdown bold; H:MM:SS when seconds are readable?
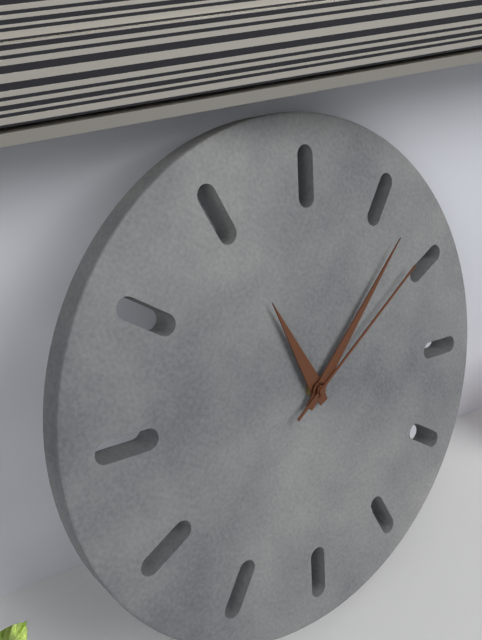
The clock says **10:02:04**
